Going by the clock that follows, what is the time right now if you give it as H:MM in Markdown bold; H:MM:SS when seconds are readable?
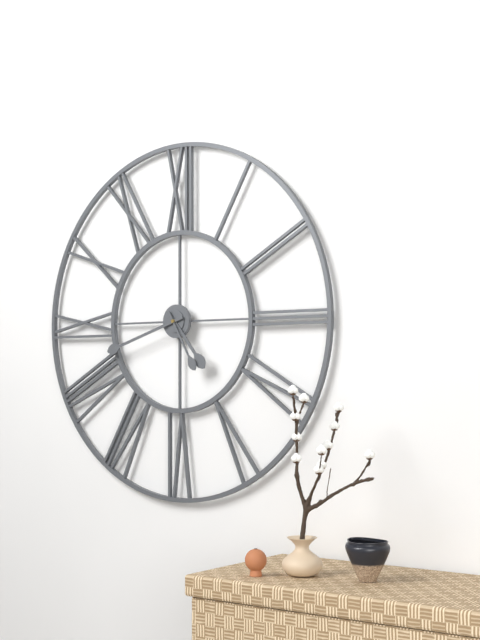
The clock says **4:42:25**
